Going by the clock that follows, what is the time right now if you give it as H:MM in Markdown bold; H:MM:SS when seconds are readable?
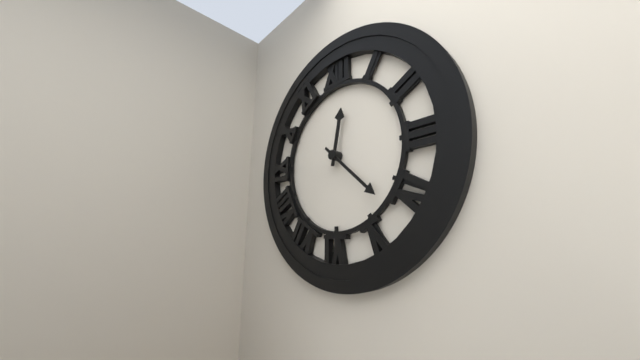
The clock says **12:22**
